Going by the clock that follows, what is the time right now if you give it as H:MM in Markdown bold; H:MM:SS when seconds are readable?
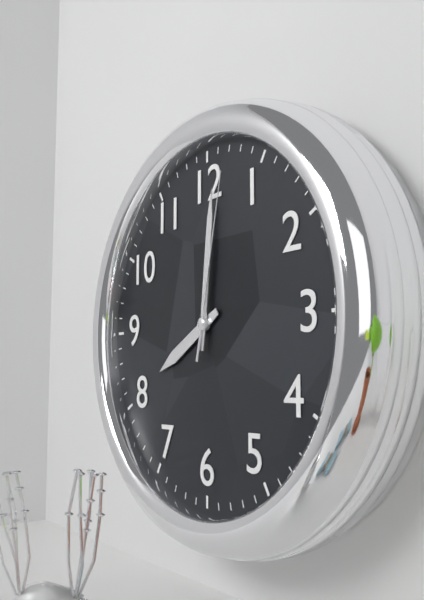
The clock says **8:01:02**
